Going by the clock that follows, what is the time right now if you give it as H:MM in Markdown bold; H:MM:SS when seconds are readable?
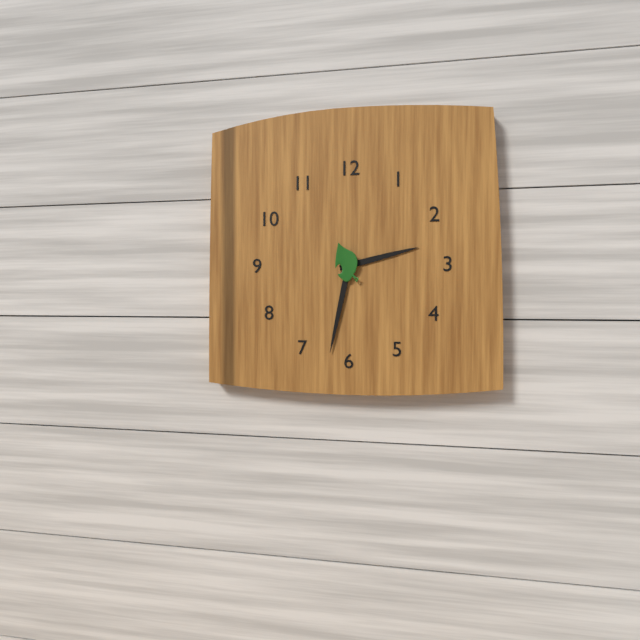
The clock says **2:32**
